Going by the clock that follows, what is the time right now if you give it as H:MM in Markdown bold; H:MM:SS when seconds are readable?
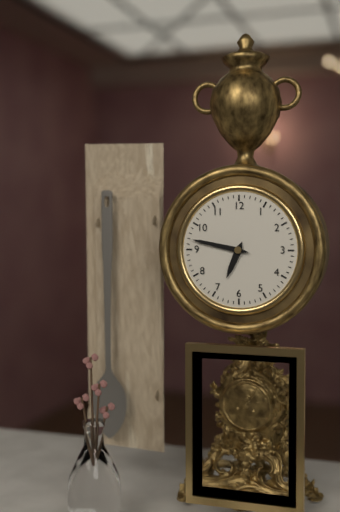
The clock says **6:47**
